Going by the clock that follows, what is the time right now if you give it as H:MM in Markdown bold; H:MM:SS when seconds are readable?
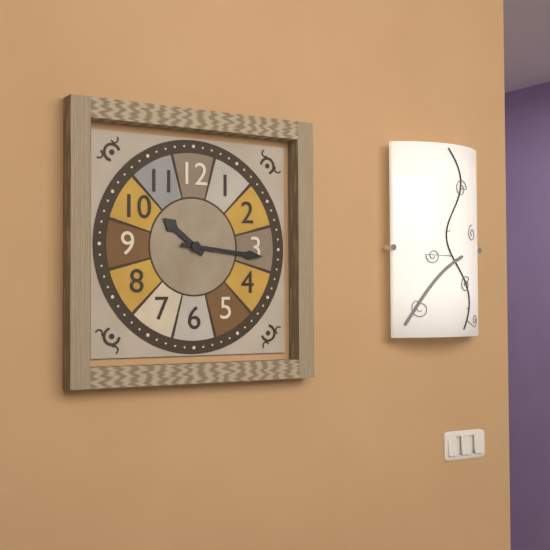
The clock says **10:16**
